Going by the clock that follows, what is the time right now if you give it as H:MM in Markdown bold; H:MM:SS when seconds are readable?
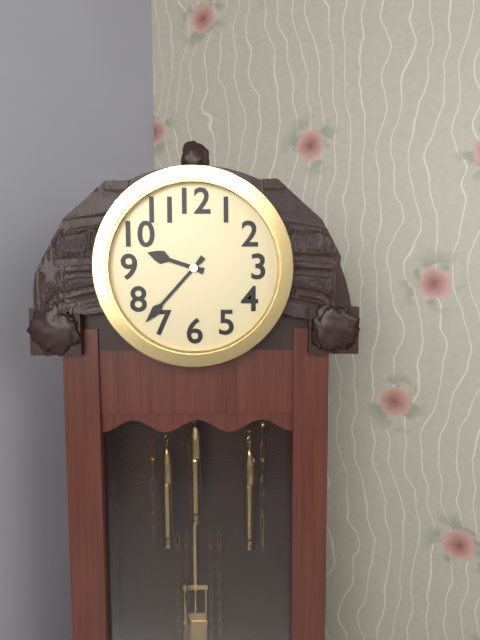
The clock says **9:37**
